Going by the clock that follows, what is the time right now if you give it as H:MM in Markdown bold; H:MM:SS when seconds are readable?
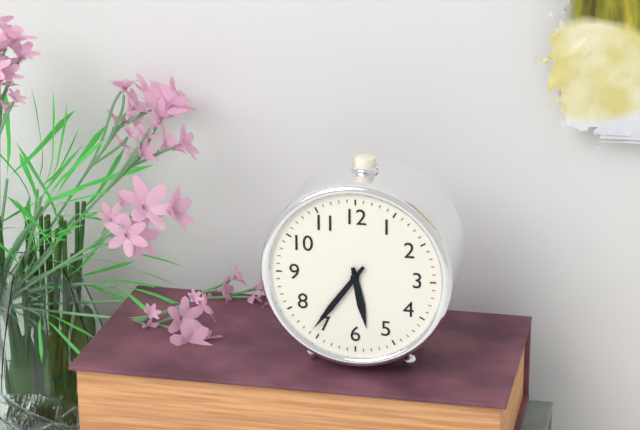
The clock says **5:36**
